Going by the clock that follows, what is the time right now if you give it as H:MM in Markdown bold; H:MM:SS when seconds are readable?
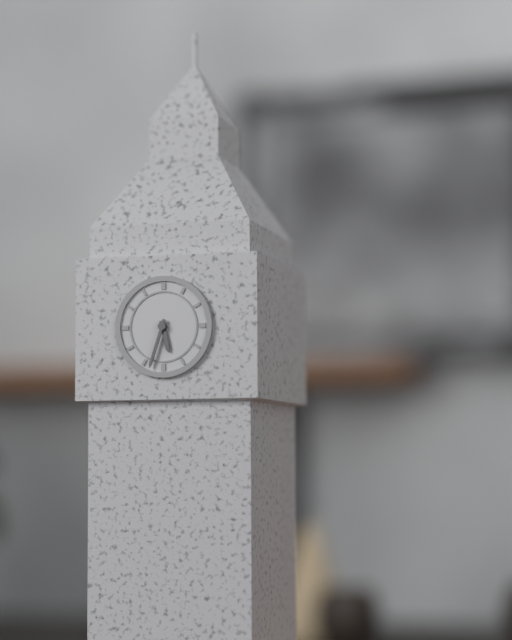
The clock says **5:33**
